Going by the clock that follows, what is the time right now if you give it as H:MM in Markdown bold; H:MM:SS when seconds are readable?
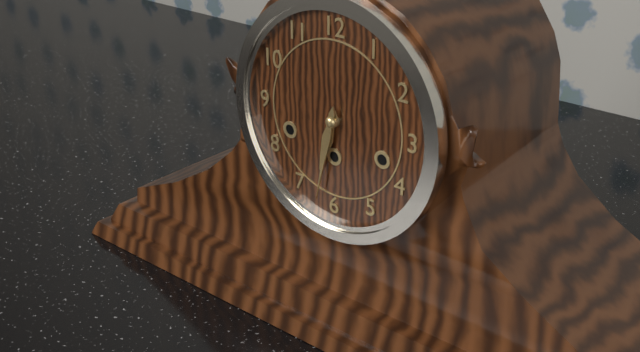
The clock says **6:32**
